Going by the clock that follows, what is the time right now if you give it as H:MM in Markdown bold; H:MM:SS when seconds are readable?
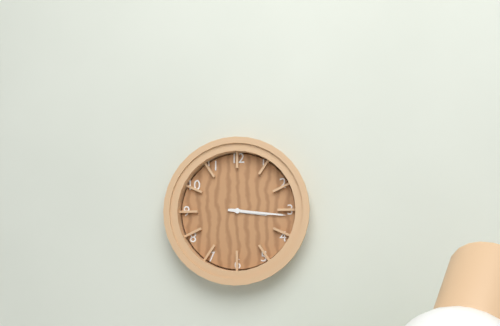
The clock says **3:16**
